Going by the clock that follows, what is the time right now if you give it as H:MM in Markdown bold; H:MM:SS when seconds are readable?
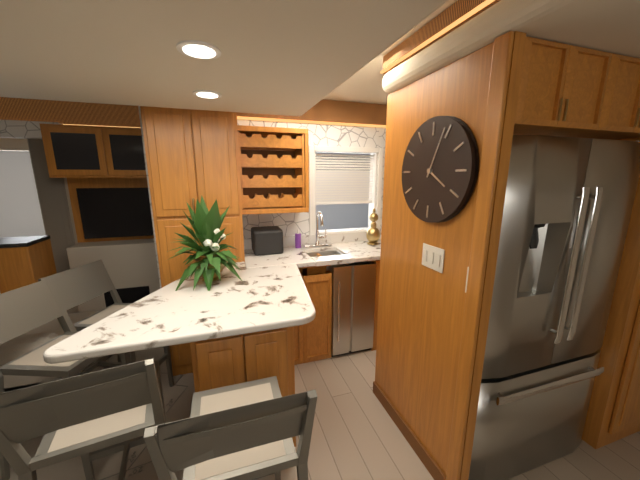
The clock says **4:04**
